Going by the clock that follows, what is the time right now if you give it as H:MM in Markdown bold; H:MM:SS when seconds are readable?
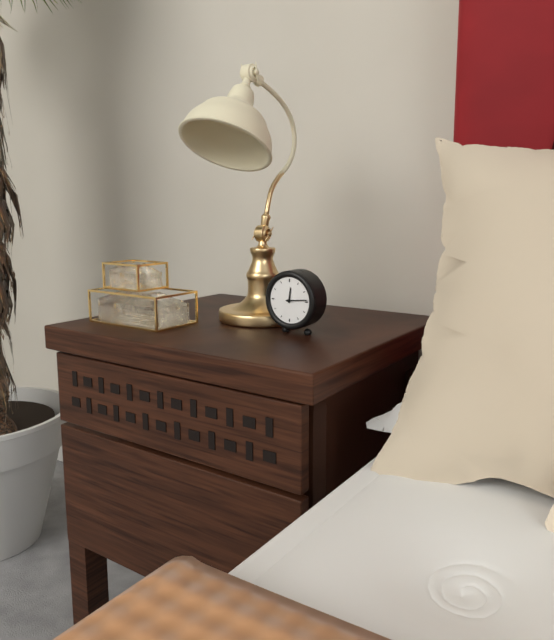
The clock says **12:14**
